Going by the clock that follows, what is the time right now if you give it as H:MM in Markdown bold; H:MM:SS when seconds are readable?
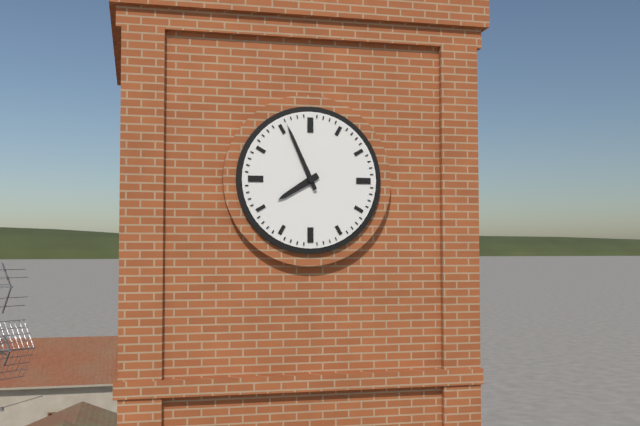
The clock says **7:56**
